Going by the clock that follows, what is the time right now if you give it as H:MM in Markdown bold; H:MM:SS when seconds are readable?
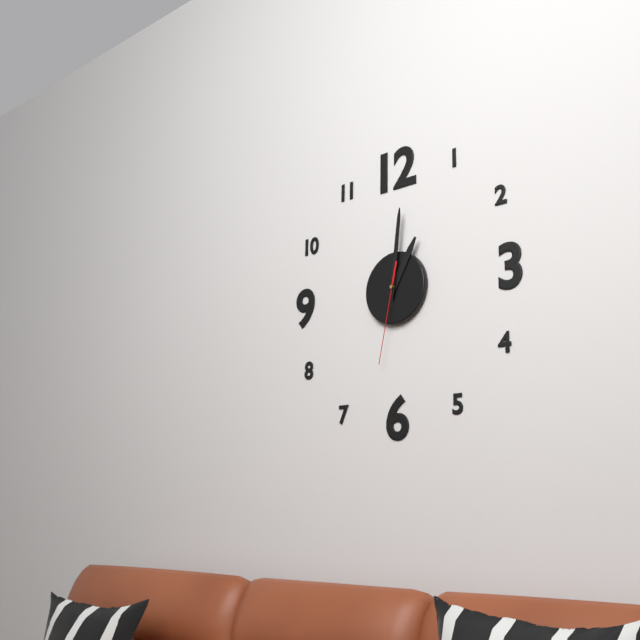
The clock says **1:01:32**
